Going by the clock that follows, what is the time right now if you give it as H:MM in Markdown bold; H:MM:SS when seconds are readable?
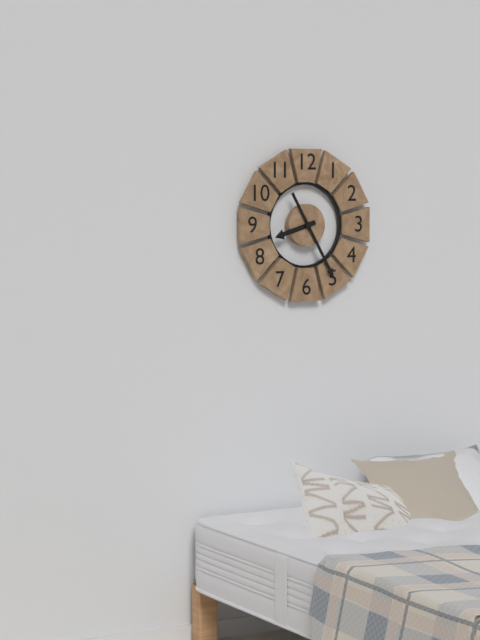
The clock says **8:25**
